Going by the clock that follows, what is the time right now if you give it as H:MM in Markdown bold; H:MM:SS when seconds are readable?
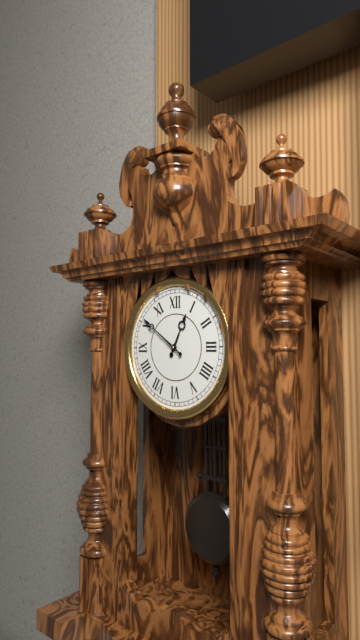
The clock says **12:51**
